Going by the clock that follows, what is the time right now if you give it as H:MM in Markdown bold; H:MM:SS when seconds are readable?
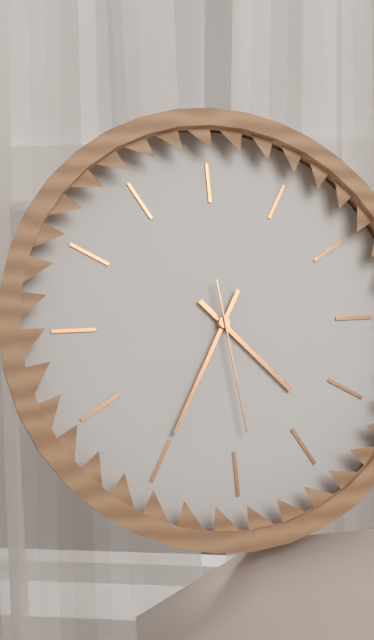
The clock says **4:35:29**
